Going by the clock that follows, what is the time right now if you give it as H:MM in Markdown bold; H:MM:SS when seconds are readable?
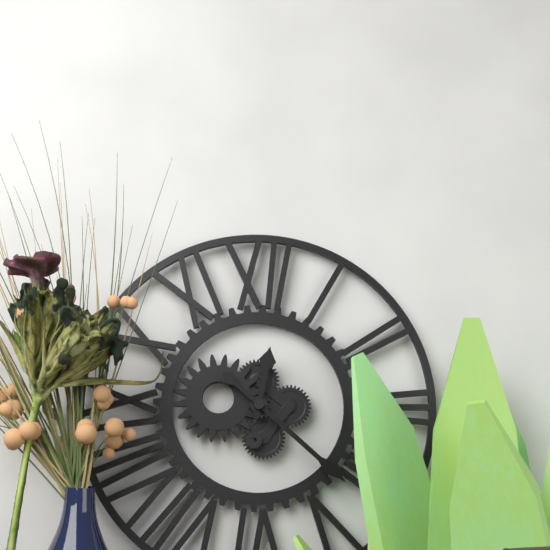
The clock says **12:22**
